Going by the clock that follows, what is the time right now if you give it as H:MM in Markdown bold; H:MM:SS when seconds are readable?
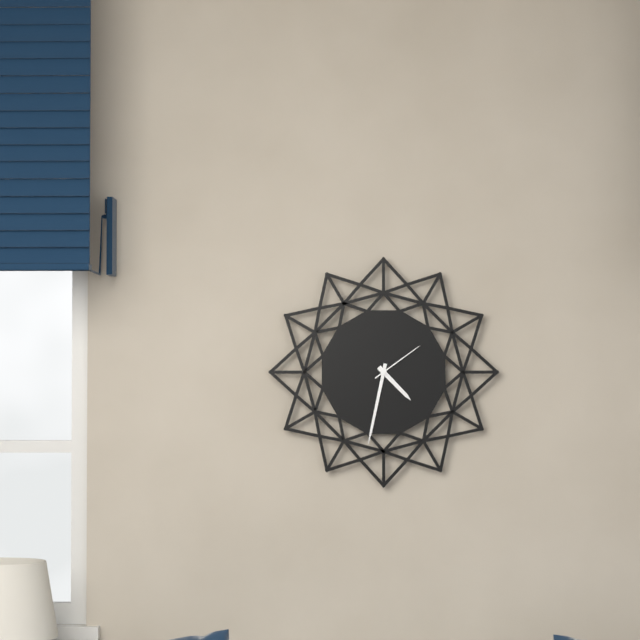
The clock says **4:32:09**
